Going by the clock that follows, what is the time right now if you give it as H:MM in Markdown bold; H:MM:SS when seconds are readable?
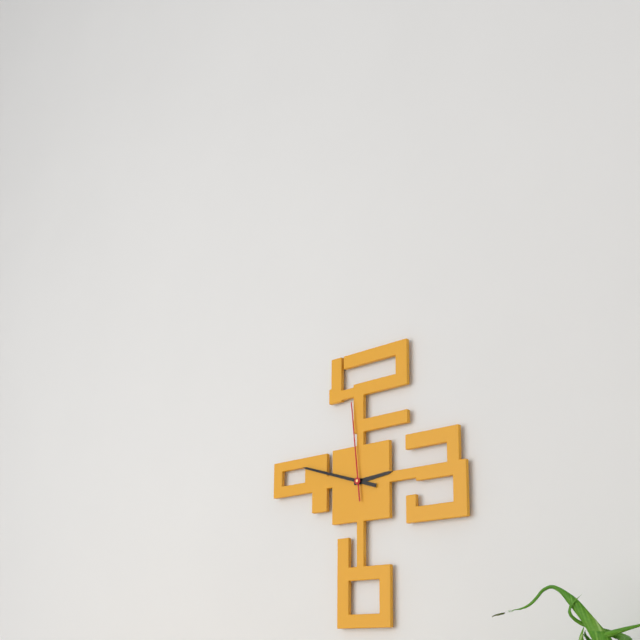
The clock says **2:48:59**
